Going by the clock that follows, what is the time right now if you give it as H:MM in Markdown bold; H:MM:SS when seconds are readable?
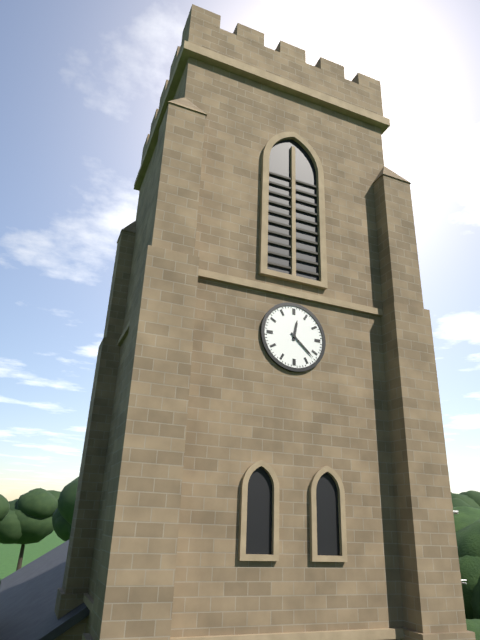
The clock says **12:22**
